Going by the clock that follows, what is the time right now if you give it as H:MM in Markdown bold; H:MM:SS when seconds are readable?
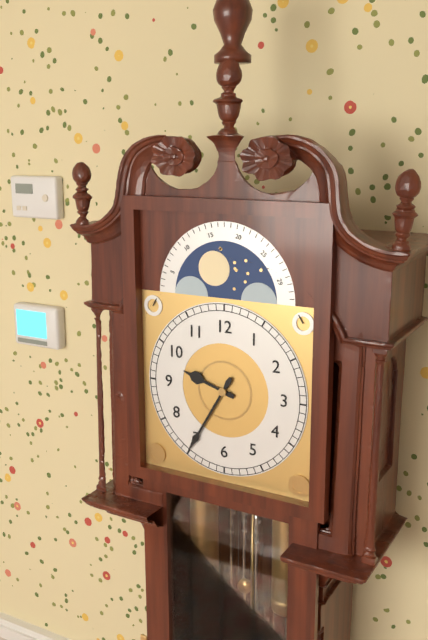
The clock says **9:35**
